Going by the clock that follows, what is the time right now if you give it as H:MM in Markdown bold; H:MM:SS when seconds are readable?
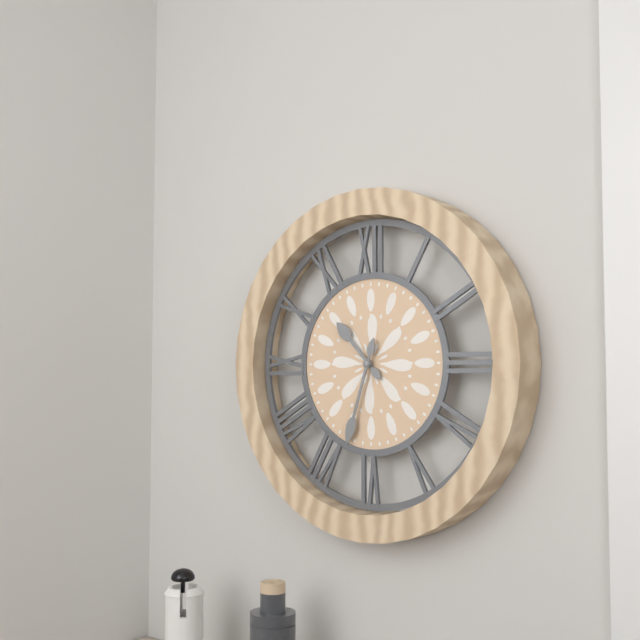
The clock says **10:33**
